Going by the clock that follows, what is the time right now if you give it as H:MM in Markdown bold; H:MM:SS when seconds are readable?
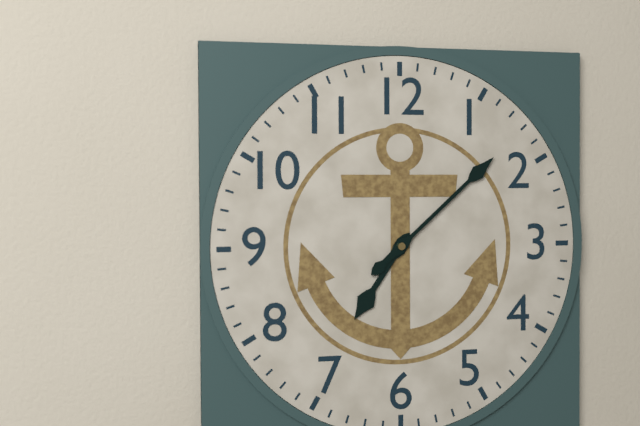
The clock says **7:08**
